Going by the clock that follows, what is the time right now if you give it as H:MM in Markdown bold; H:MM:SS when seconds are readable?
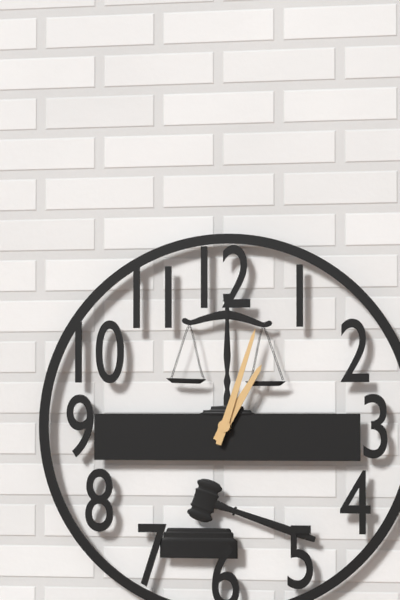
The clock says **1:03**
